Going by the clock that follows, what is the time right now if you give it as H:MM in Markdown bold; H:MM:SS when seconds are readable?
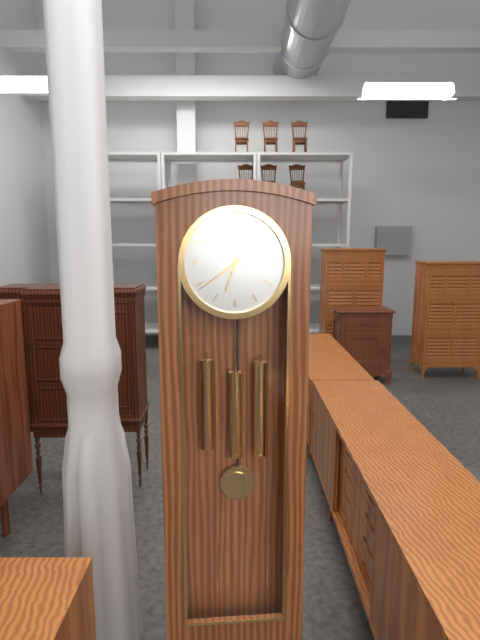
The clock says **6:39**
